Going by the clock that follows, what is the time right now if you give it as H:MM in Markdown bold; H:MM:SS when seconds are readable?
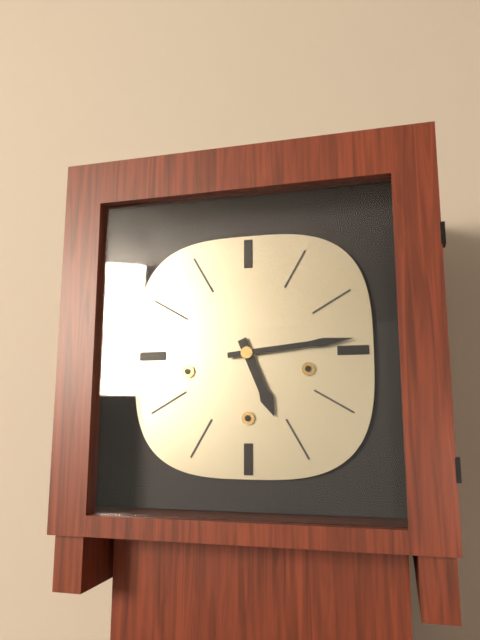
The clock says **5:14**
